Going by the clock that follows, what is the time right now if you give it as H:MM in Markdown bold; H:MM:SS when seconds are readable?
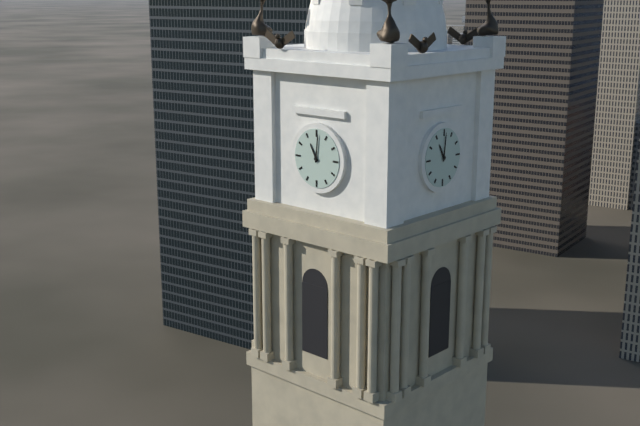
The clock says **11:01**
